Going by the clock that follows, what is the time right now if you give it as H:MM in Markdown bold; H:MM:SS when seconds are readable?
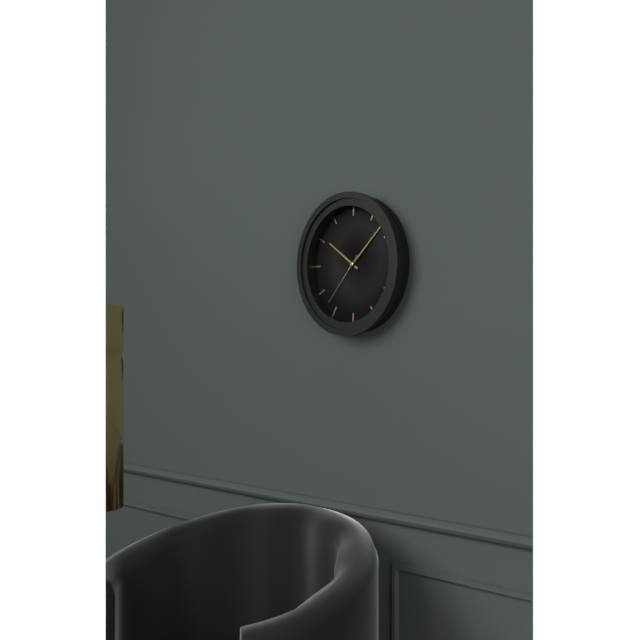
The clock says **10:08:37**
